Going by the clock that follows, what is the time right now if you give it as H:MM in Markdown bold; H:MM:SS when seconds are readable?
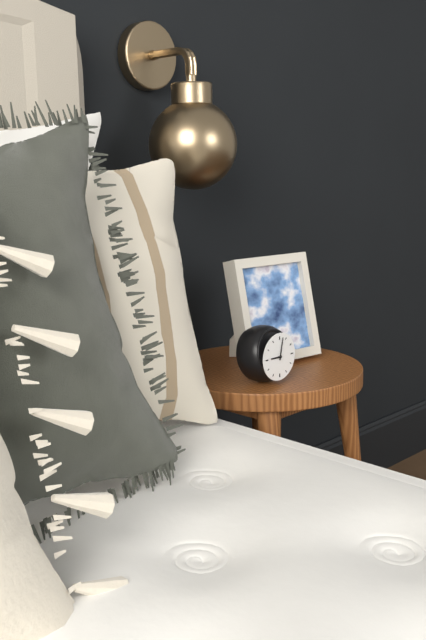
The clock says **9:02**
